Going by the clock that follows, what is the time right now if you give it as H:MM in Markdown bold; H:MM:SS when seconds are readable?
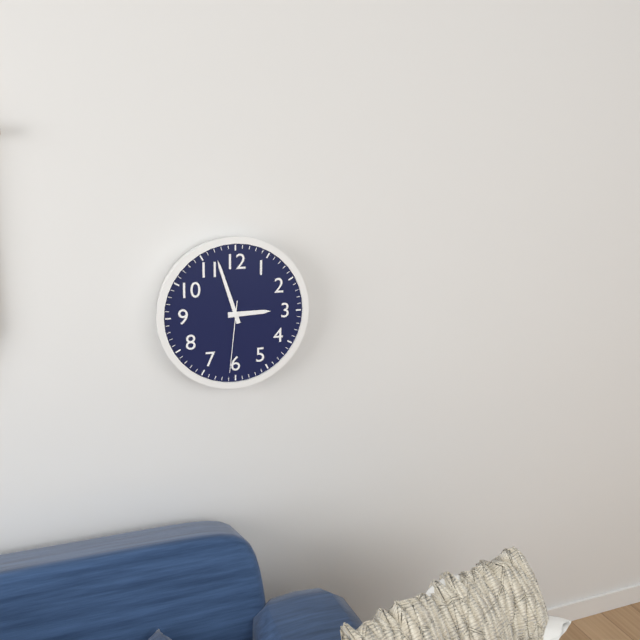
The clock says **2:57:31**
